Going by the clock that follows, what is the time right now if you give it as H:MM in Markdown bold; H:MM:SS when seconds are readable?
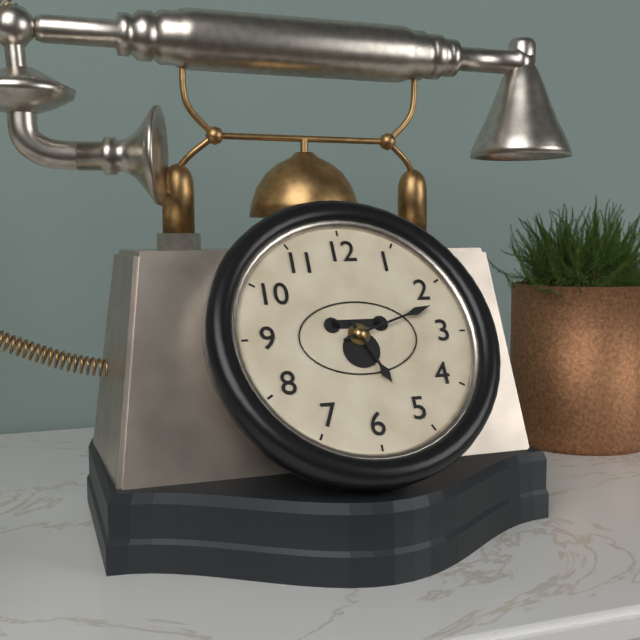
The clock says **5:12**
